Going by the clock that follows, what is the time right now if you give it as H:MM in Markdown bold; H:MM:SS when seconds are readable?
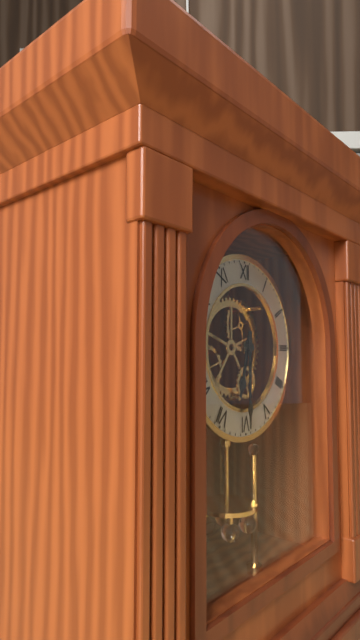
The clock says **6:30**
